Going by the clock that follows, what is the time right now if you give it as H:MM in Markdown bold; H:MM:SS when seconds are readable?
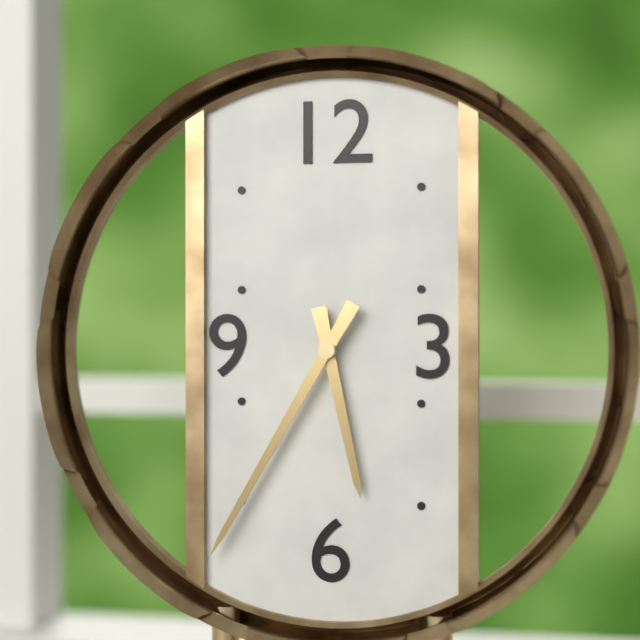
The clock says **5:35**
